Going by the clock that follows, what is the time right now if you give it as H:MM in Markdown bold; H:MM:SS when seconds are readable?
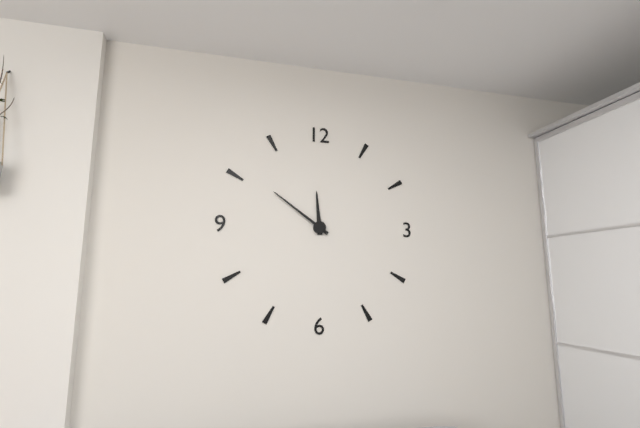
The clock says **11:51**
